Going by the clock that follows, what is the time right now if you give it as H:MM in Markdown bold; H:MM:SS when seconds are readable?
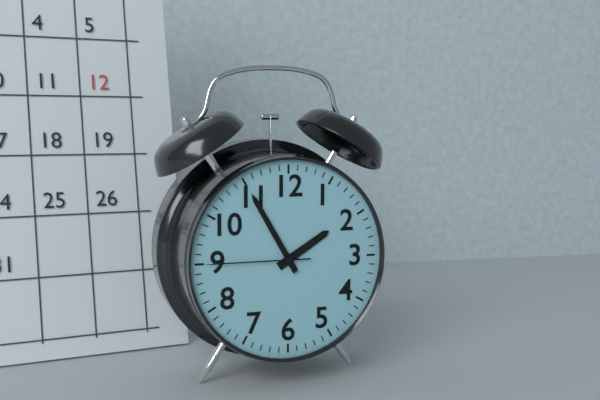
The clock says **1:55:45**
